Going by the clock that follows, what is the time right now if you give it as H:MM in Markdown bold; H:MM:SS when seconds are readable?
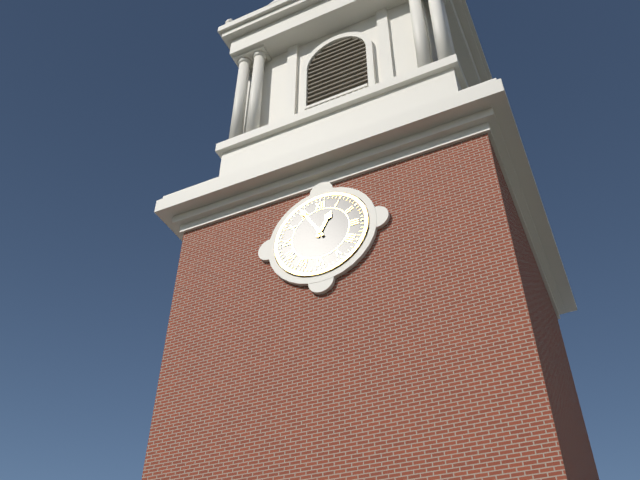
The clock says **12:55**
